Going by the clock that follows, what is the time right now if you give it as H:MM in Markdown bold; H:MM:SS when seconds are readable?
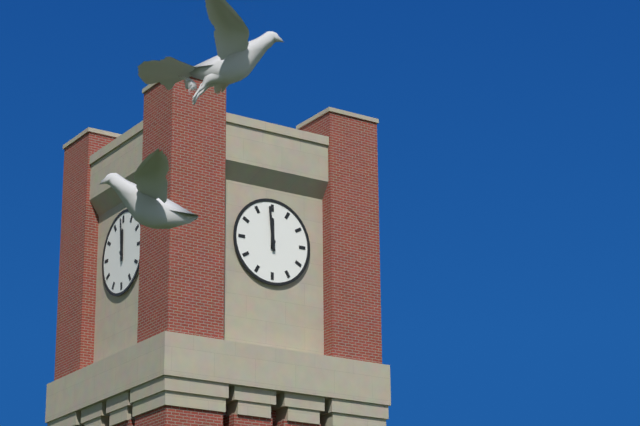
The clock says **11:59**
